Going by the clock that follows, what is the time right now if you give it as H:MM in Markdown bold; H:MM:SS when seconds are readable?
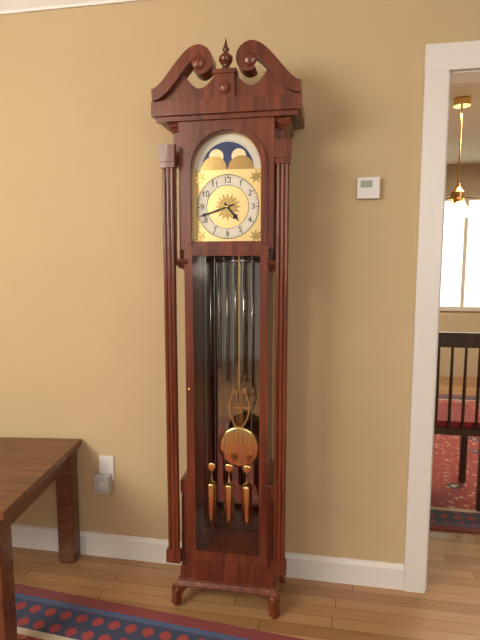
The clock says **4:42**
